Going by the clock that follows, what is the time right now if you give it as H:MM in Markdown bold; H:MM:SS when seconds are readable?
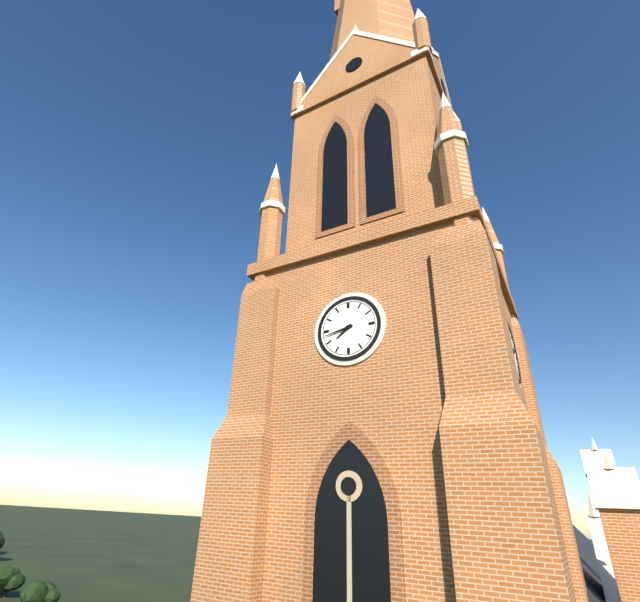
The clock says **7:43**
